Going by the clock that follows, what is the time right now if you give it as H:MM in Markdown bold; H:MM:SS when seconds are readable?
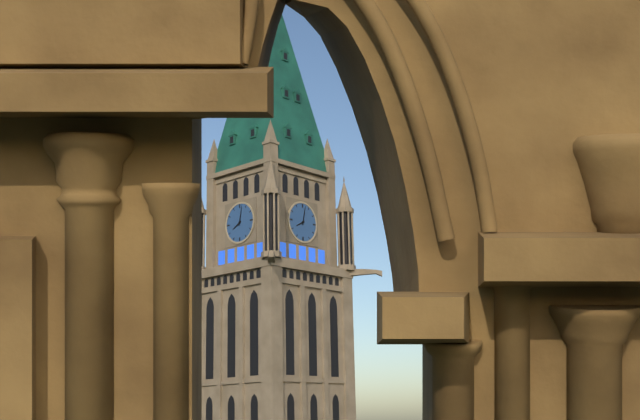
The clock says **8:02**
